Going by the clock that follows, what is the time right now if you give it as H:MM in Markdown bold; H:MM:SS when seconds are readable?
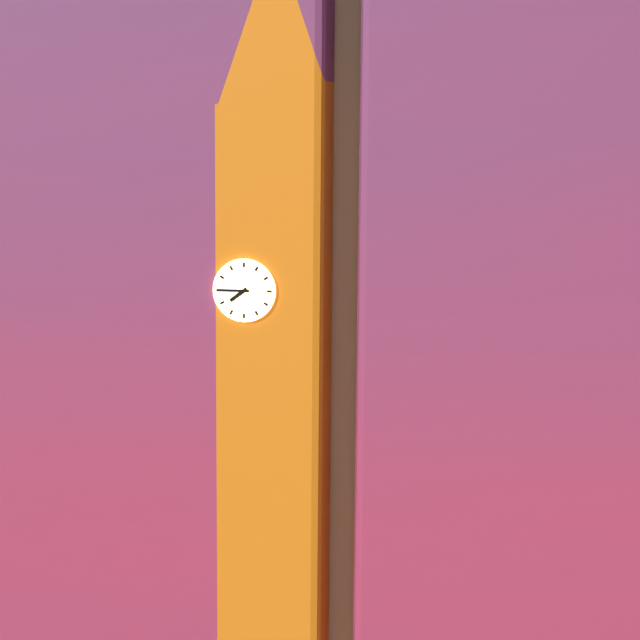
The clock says **7:45**
